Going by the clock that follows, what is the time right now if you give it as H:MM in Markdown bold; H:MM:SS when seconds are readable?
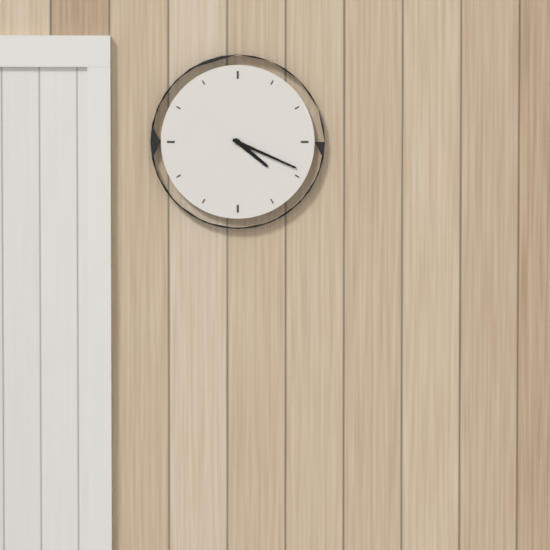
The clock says **4:19**
